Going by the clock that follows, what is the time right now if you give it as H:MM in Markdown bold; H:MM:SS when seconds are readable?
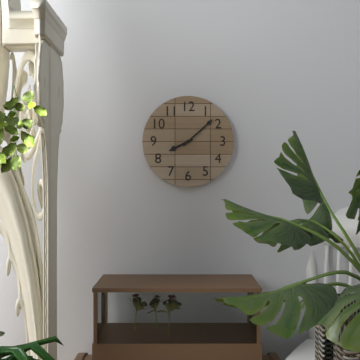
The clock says **8:08**
